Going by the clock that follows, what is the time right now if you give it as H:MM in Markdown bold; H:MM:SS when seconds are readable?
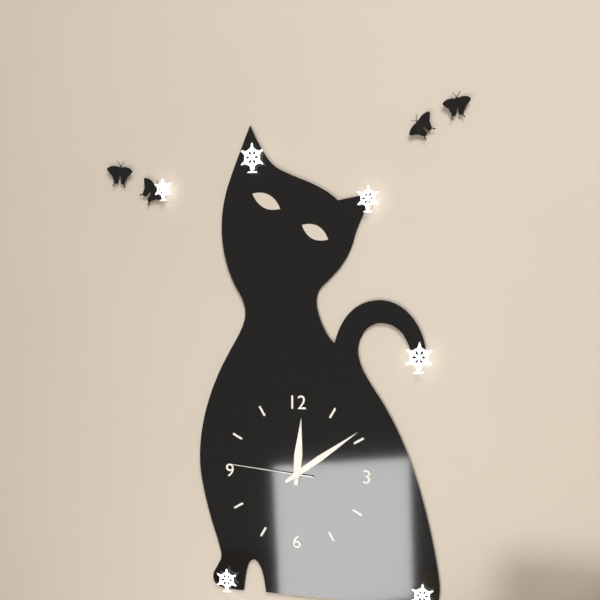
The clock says **12:09:46**
